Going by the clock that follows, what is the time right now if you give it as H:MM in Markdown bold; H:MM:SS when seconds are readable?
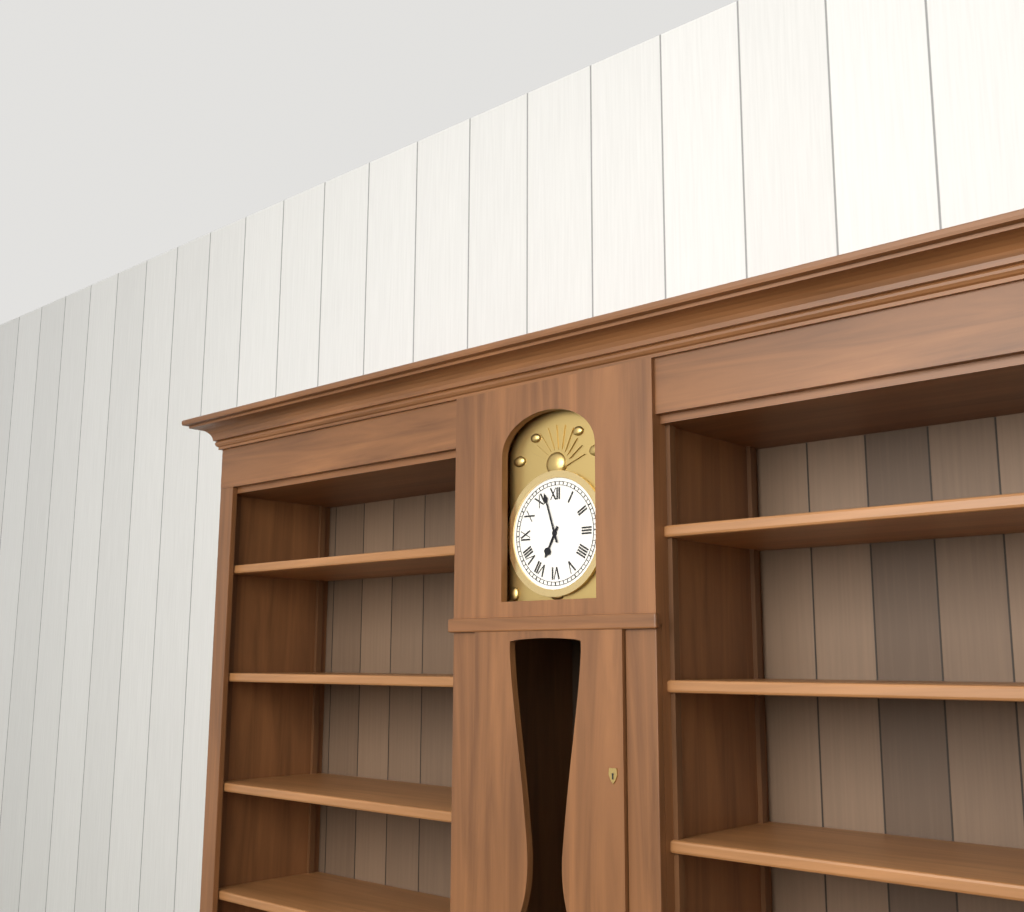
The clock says **6:57**
